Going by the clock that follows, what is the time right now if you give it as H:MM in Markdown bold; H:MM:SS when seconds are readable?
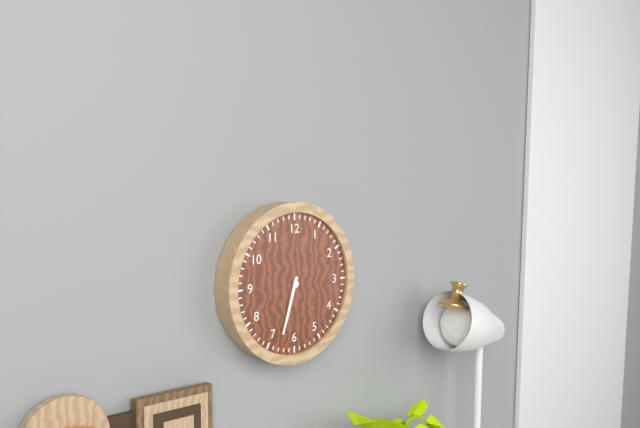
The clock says **6:33**
